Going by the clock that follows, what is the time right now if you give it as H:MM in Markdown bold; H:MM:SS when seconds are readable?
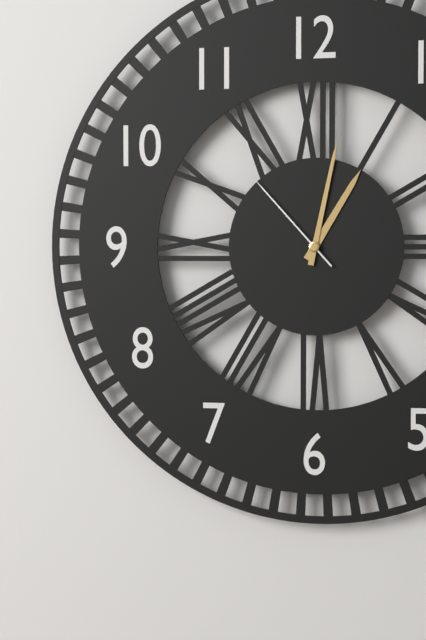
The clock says **1:02:53**
